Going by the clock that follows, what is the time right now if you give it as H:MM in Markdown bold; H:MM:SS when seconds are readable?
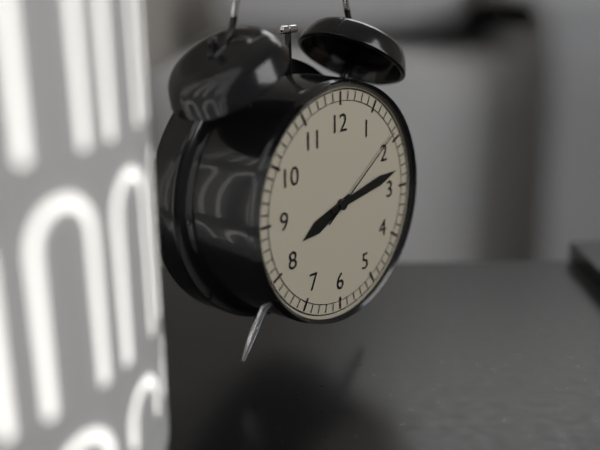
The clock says **8:13:09**
